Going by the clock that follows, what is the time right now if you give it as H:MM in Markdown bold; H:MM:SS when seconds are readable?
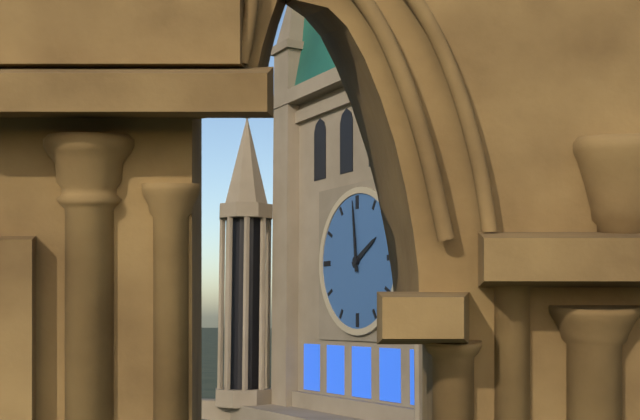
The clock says **1:59**
